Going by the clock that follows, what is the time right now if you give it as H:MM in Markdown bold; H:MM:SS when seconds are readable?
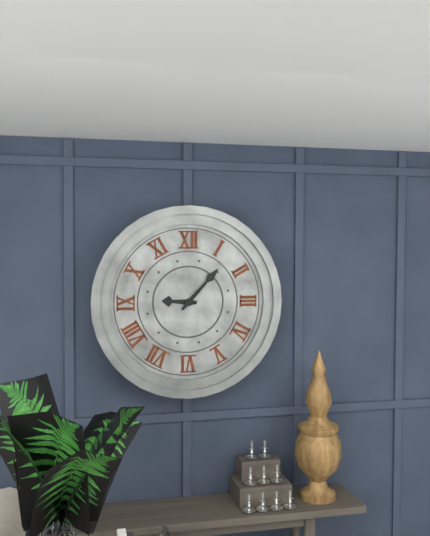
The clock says **9:07**
